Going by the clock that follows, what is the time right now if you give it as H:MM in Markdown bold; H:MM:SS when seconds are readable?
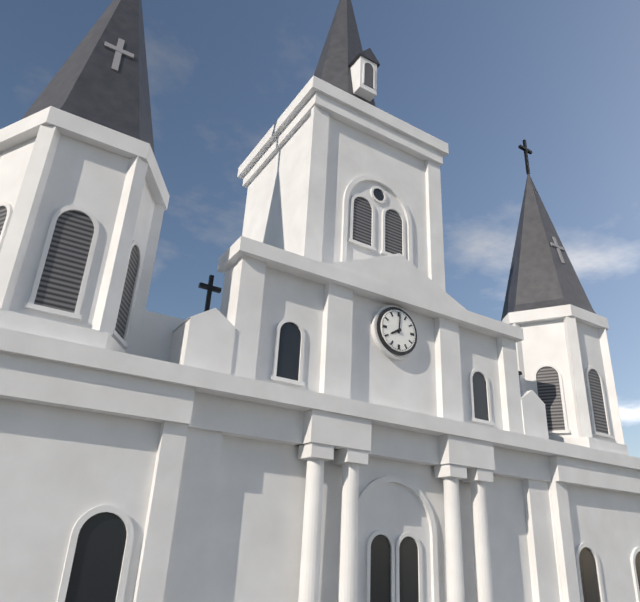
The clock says **8:01**
